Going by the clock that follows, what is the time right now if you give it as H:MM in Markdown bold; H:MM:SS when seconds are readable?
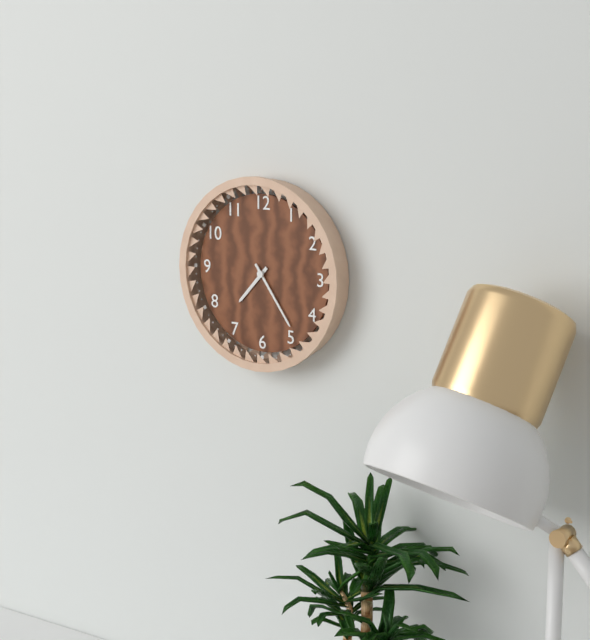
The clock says **7:24**
